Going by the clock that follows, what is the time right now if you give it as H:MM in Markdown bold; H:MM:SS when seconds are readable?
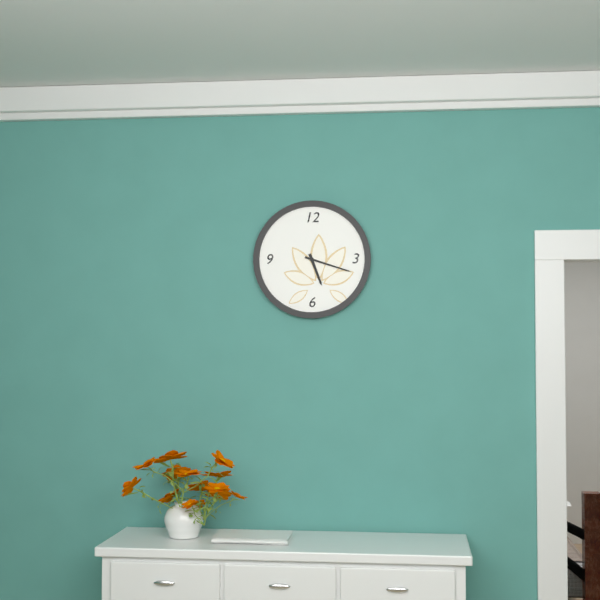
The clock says **5:18**
